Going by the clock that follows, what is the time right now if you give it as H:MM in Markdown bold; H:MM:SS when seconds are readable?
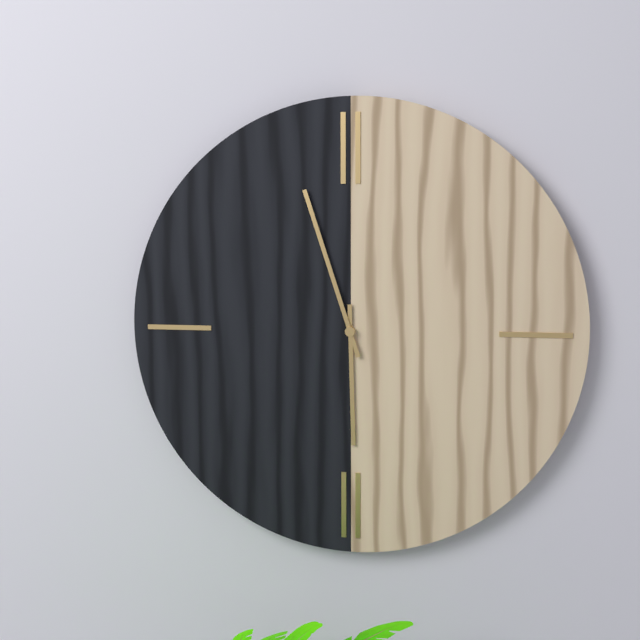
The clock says **5:57**
